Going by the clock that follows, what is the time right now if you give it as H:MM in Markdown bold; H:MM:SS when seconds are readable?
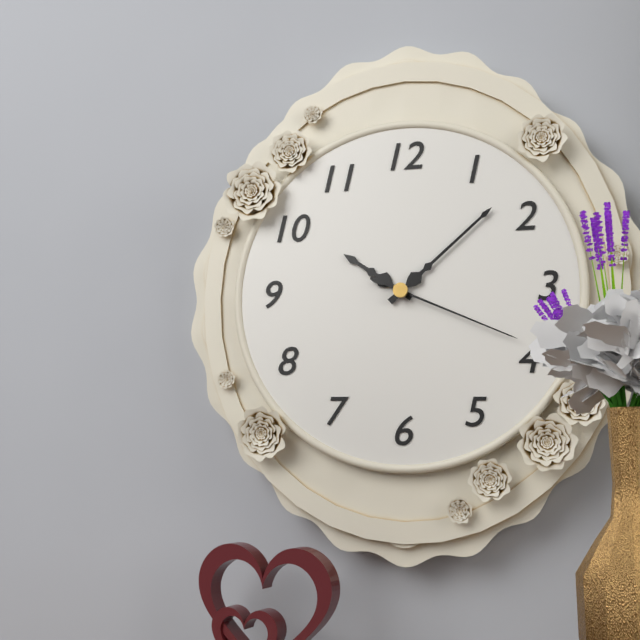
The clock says **10:08:19**
